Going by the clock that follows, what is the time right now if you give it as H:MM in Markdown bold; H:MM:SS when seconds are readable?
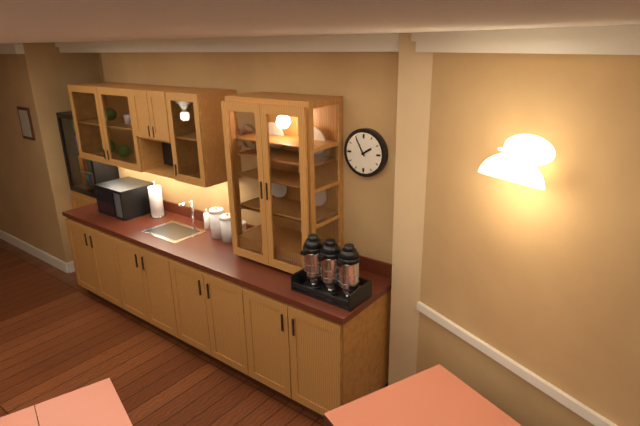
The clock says **1:55**
